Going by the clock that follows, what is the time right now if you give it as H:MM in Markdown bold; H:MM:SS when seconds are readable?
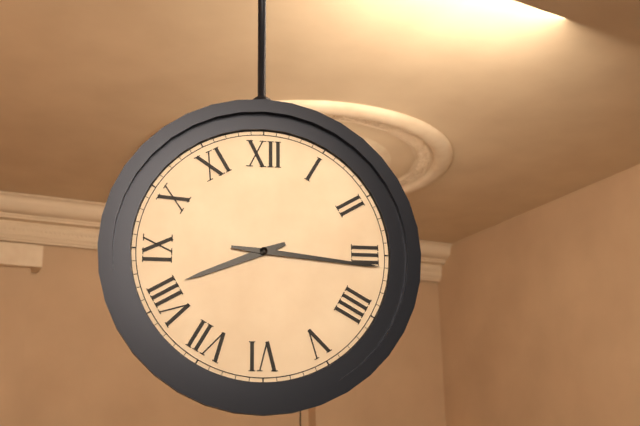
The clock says **8:16**
